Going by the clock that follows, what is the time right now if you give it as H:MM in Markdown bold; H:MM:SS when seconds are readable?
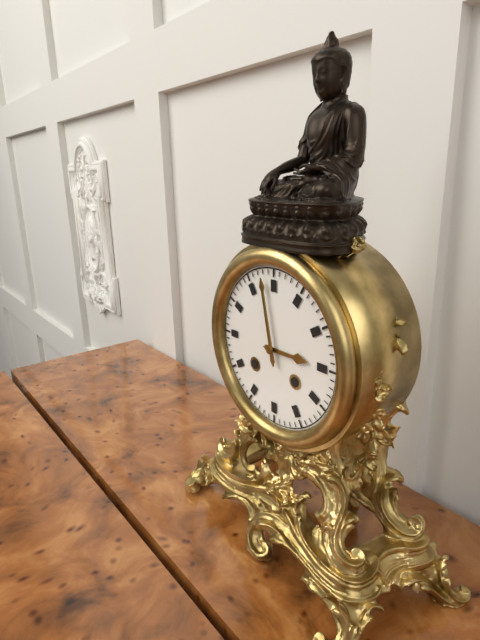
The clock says **2:58**
